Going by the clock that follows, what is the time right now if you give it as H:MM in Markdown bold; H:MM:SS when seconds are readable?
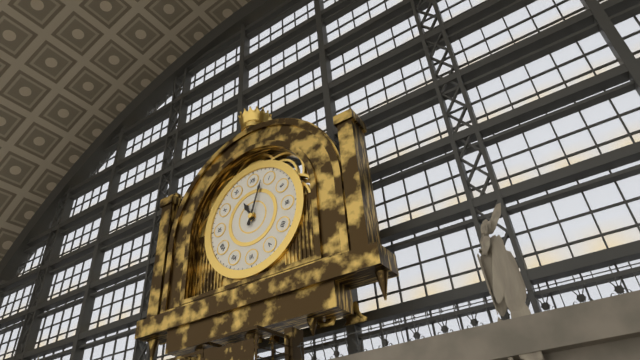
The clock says **11:03**
